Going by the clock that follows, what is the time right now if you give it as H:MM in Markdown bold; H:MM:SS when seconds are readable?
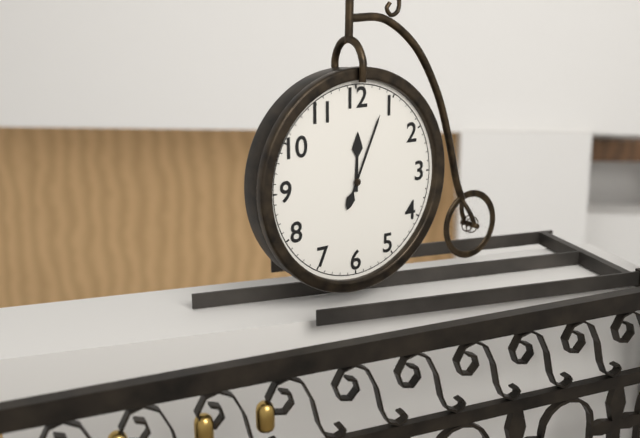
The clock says **12:04**
